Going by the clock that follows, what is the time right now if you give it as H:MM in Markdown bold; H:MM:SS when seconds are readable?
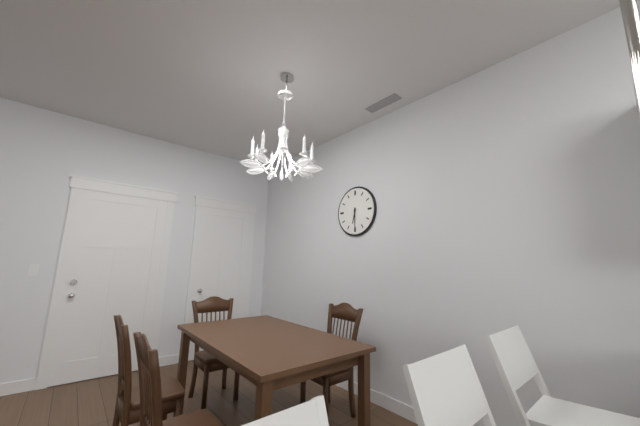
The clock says **6:30**
